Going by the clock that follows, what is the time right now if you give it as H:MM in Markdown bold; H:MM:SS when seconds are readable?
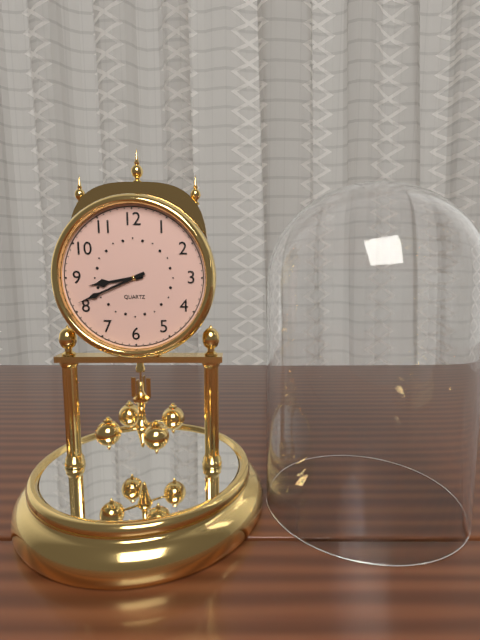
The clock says **8:41**
